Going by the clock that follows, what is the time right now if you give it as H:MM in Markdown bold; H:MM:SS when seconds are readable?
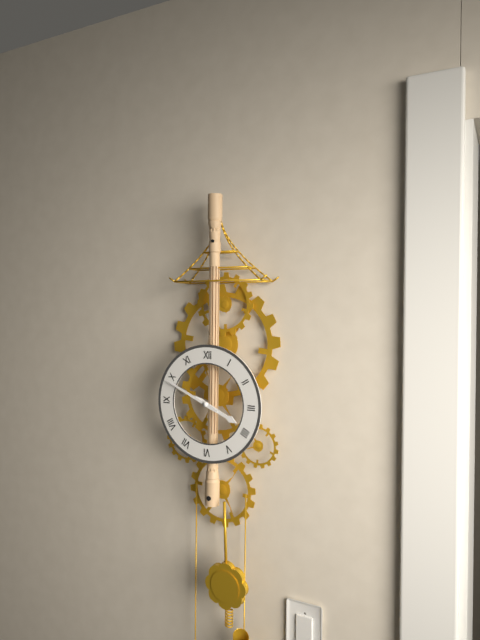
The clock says **3:49**
